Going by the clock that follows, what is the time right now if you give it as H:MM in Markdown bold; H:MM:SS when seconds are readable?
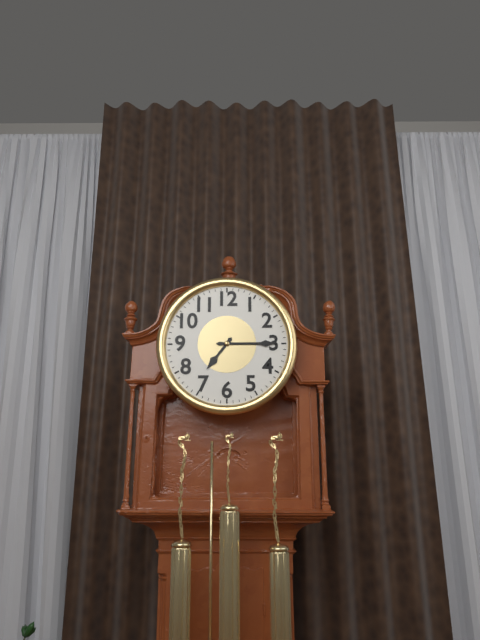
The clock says **7:15**
